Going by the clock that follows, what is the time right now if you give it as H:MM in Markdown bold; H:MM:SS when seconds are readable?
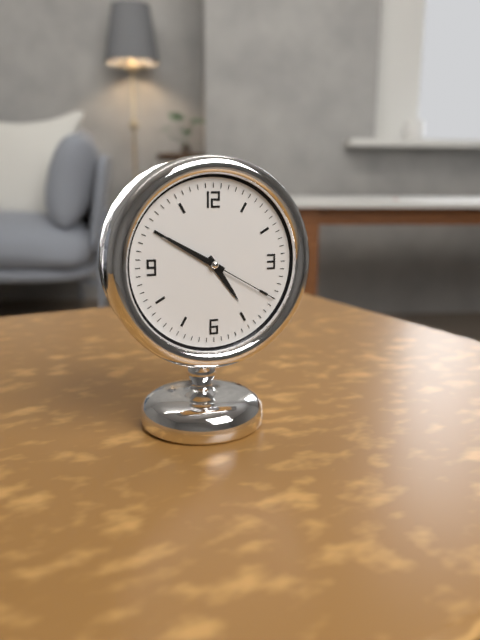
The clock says **4:50:20**
